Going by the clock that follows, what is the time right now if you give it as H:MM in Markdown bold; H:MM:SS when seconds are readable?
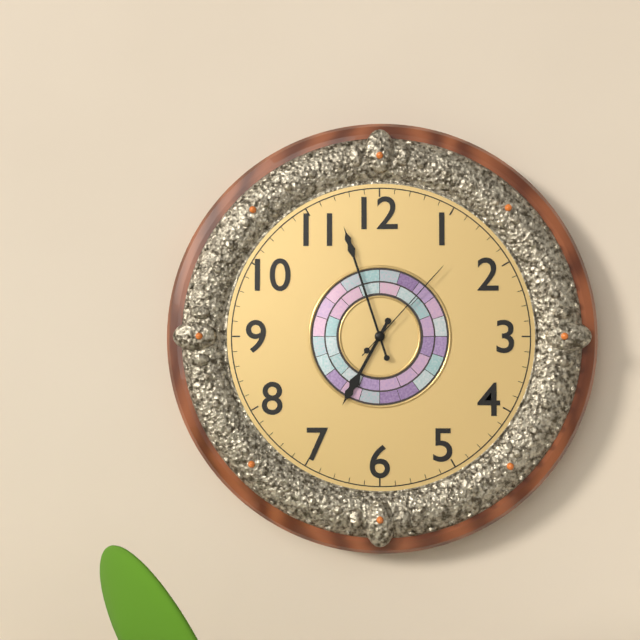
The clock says **6:57:07**
